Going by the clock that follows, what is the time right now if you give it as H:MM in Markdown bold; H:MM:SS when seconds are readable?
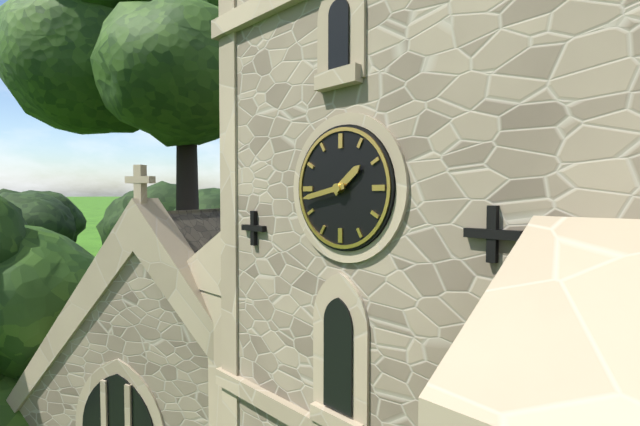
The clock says **1:43**
